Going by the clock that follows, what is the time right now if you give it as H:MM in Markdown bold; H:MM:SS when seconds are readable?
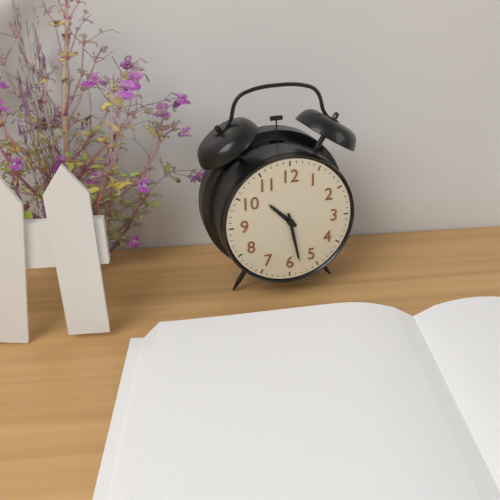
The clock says **10:28**
